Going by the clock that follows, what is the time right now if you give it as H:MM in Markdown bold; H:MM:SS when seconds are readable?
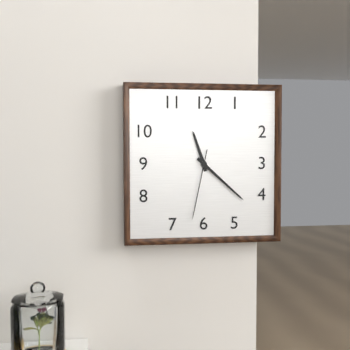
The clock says **11:22:32**
